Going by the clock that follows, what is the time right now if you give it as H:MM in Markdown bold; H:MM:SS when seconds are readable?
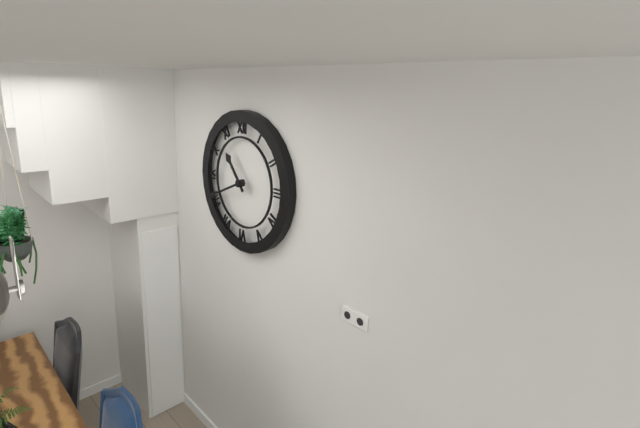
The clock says **10:41**
